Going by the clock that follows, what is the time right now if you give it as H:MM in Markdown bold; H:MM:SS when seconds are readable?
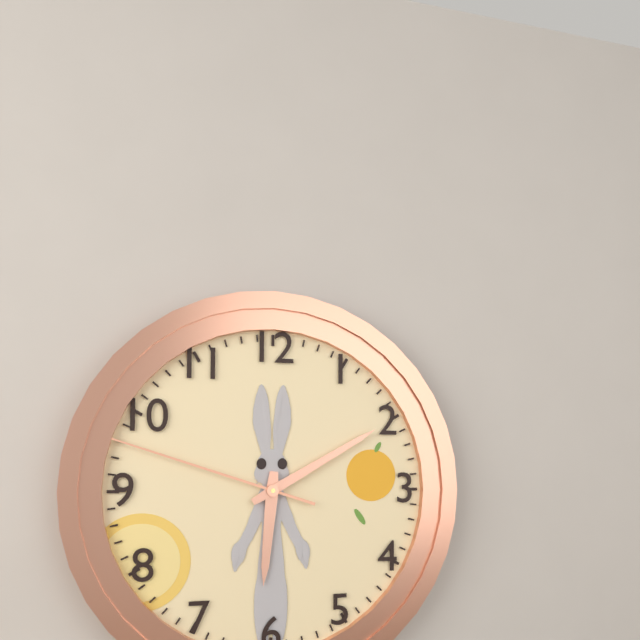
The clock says **6:10:48**
